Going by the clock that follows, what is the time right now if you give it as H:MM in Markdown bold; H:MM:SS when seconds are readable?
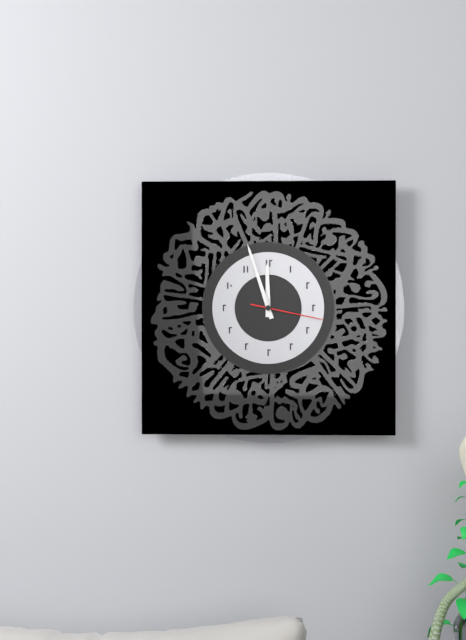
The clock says **11:57:17**
